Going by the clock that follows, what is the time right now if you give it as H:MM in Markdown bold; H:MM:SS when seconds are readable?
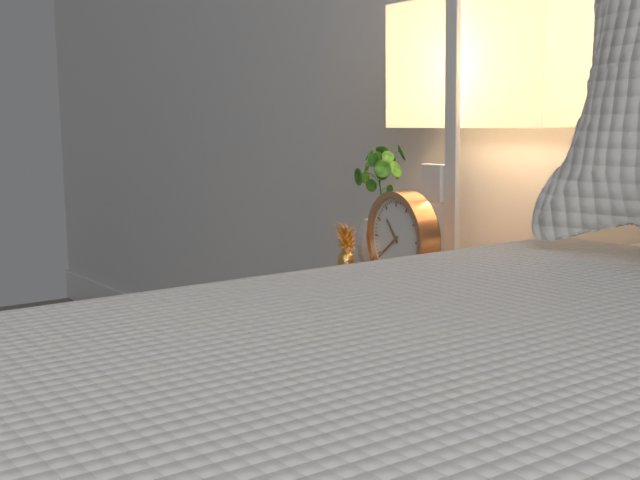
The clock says **10:39**
